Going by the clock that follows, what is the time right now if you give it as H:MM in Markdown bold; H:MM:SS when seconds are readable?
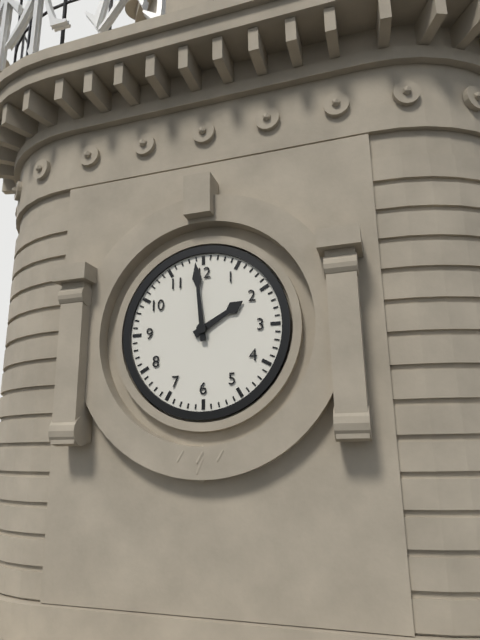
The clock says **1:59**
